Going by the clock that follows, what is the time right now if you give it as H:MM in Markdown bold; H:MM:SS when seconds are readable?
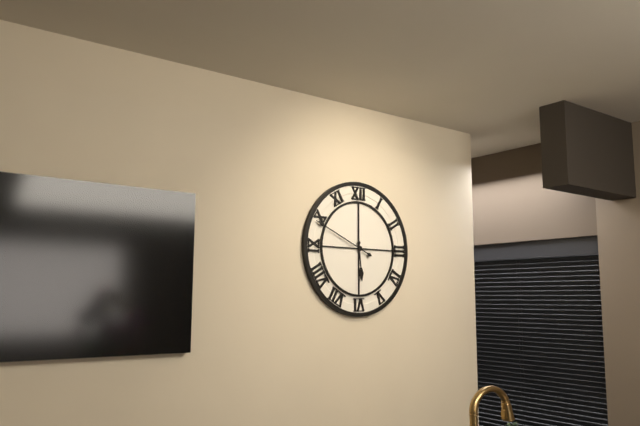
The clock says **5:49**
